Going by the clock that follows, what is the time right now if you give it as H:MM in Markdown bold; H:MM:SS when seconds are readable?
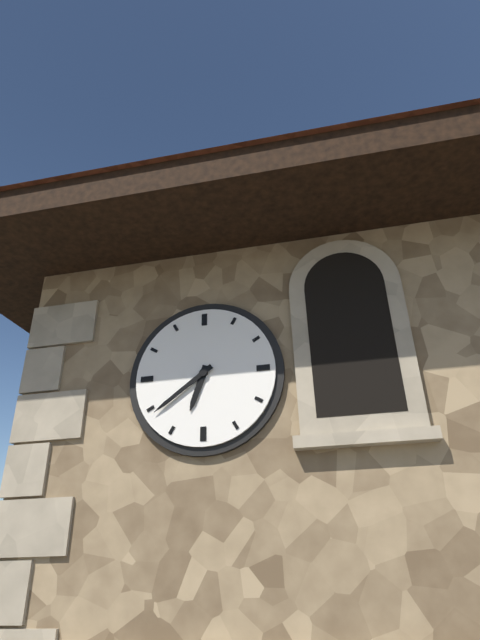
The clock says **6:39**
